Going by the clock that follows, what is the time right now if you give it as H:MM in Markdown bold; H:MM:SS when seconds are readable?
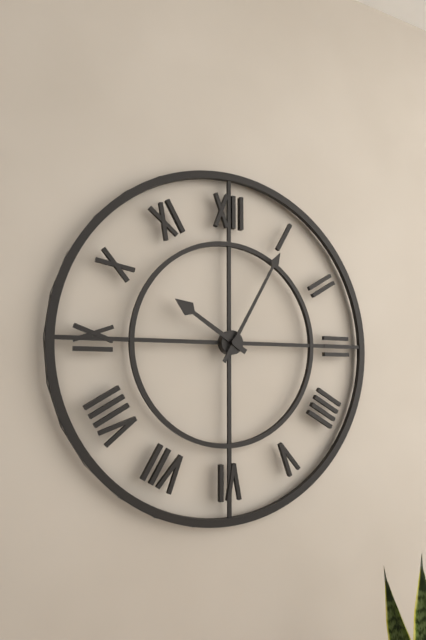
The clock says **10:05**
